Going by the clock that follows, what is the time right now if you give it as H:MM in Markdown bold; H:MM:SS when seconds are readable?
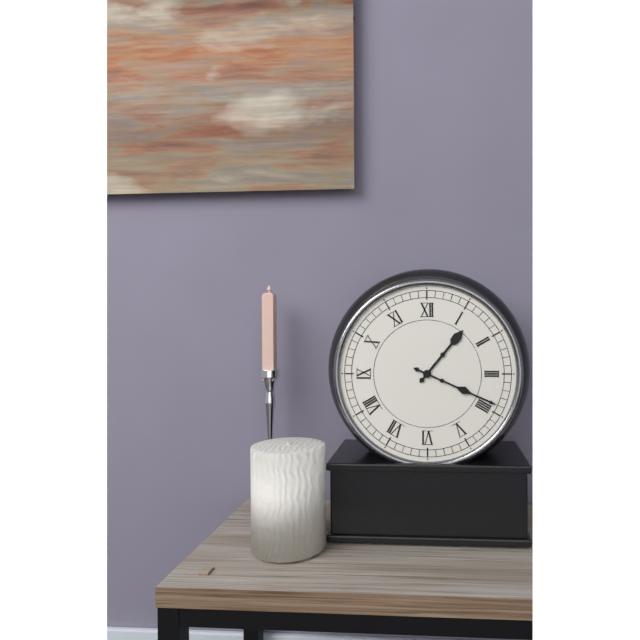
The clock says **1:19**
